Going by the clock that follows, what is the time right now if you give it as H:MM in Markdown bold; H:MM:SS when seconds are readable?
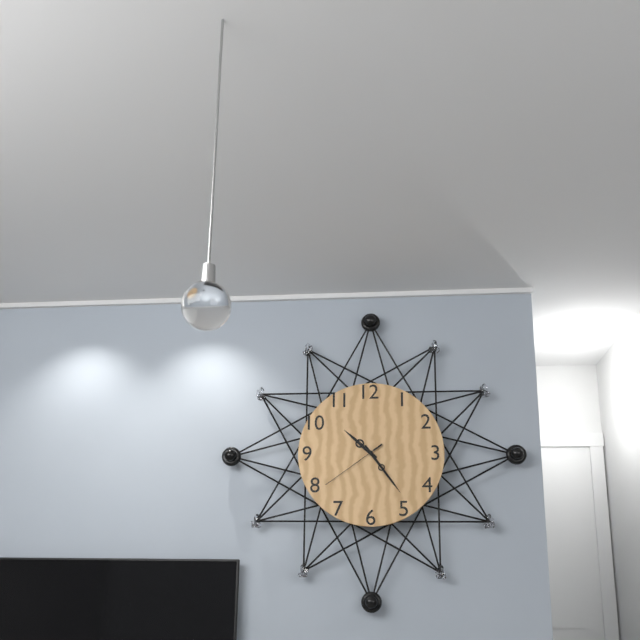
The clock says **10:24:39**
